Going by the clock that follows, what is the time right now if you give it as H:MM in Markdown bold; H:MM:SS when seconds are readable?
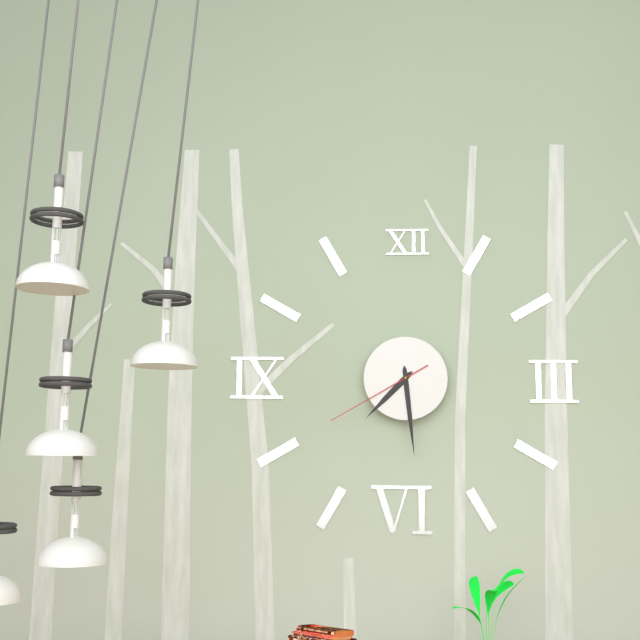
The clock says **7:29:40**
